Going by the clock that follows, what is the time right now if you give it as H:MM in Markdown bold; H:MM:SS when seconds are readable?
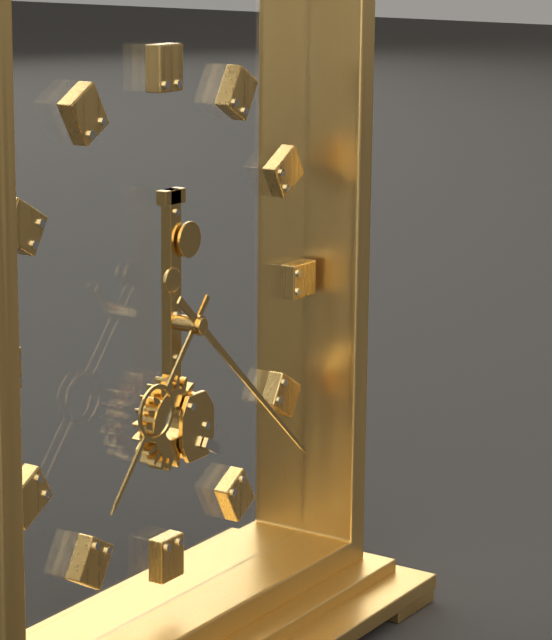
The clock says **7:22**
